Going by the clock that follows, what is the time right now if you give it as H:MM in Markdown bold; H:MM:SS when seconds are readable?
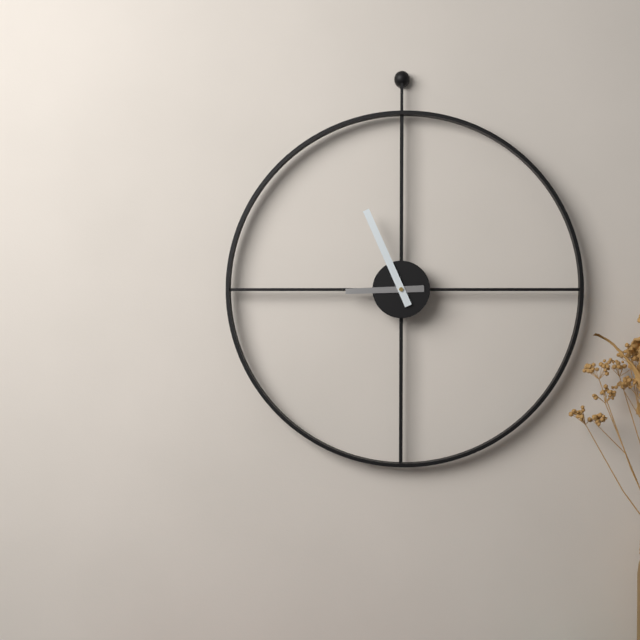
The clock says **8:56**
